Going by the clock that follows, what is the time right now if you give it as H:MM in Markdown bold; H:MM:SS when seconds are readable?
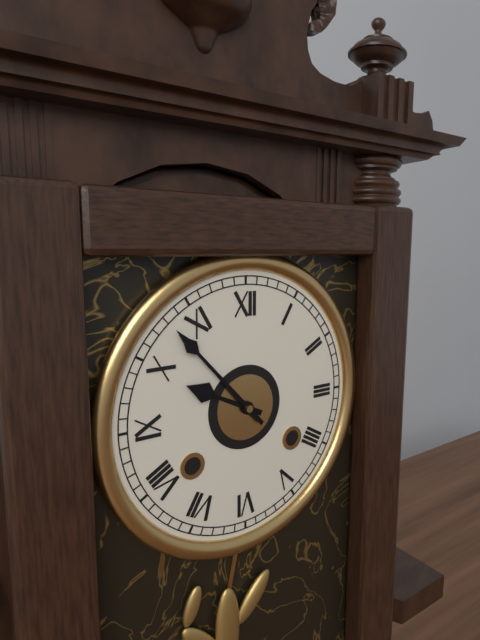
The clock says **9:53**
